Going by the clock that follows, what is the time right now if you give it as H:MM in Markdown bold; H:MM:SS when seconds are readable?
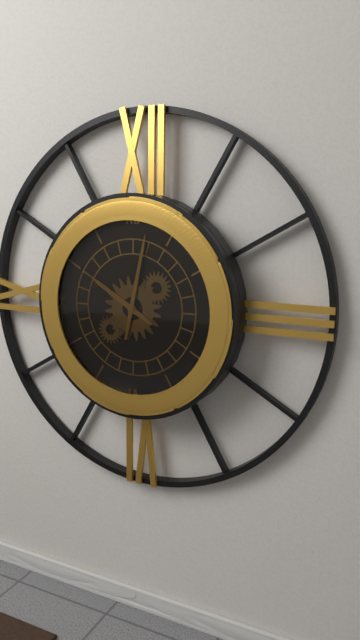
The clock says **10:02**
